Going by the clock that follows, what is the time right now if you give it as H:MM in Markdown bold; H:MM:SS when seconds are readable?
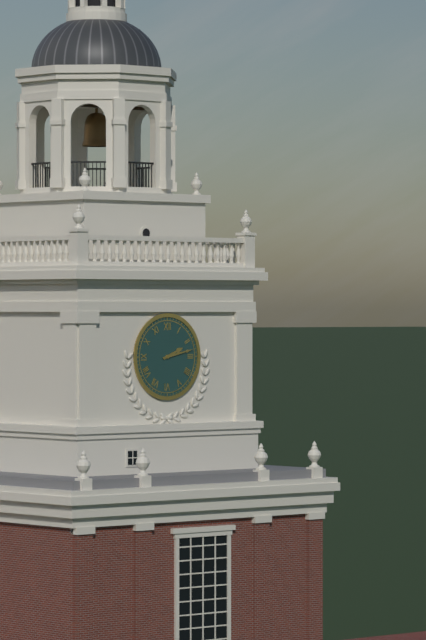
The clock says **2:13**
